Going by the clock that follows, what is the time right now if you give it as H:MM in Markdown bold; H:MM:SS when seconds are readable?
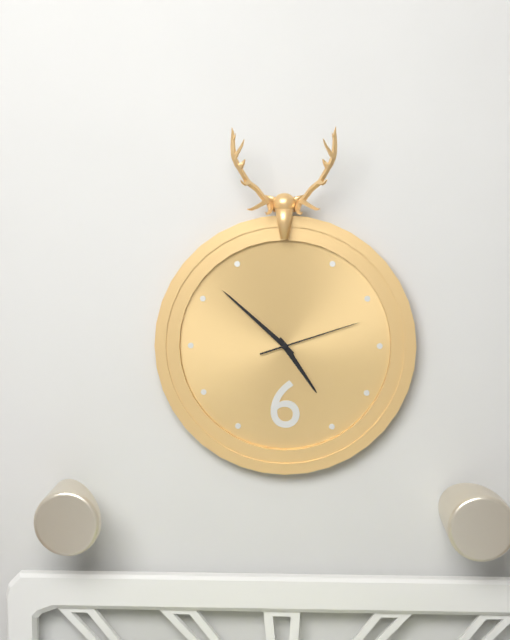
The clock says **4:52:12**
